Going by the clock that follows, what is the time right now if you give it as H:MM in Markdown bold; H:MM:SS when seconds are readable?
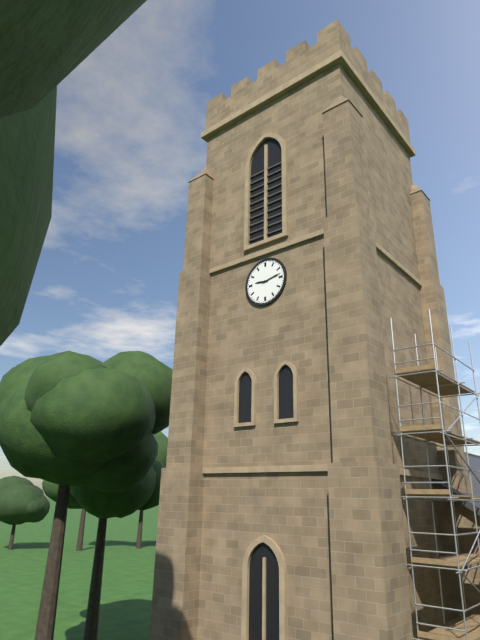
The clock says **9:13**
